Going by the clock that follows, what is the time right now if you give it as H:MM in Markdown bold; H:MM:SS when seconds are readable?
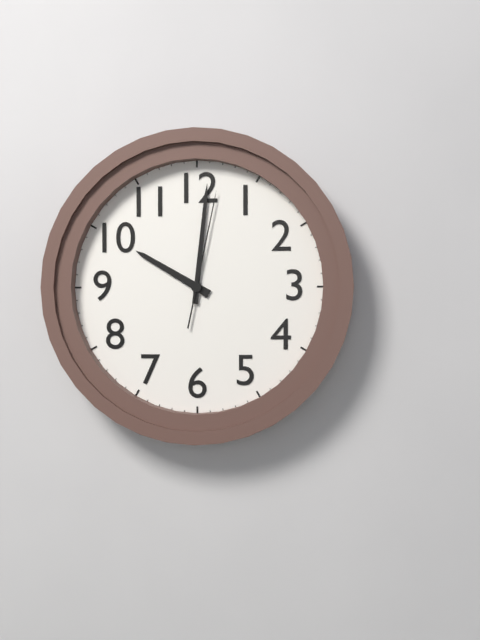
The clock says **10:01:02**
